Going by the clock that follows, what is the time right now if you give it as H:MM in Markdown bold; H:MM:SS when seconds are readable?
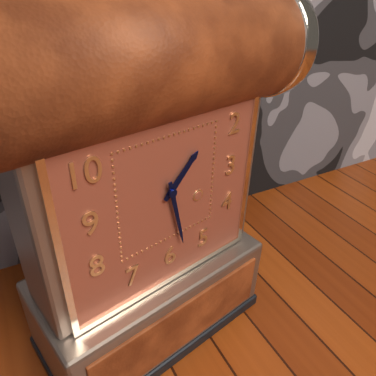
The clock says **1:28**
